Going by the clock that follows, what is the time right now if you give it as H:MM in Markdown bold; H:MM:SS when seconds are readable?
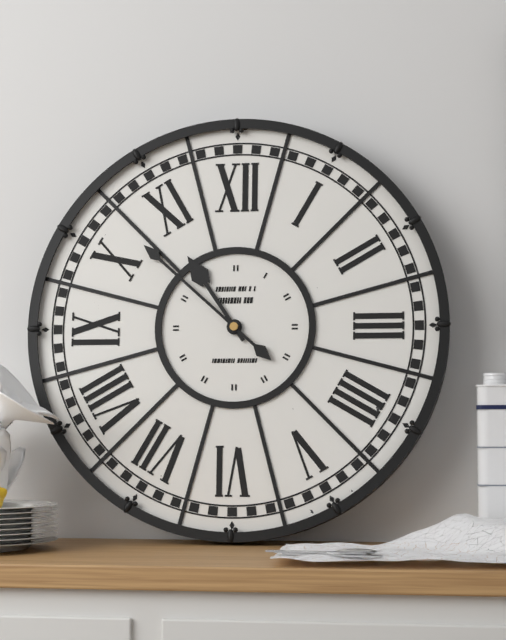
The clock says **10:52**
